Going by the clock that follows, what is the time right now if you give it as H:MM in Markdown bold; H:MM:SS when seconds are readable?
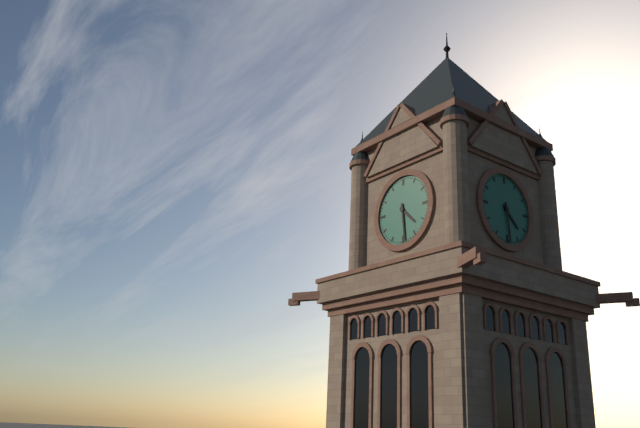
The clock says **4:29**
